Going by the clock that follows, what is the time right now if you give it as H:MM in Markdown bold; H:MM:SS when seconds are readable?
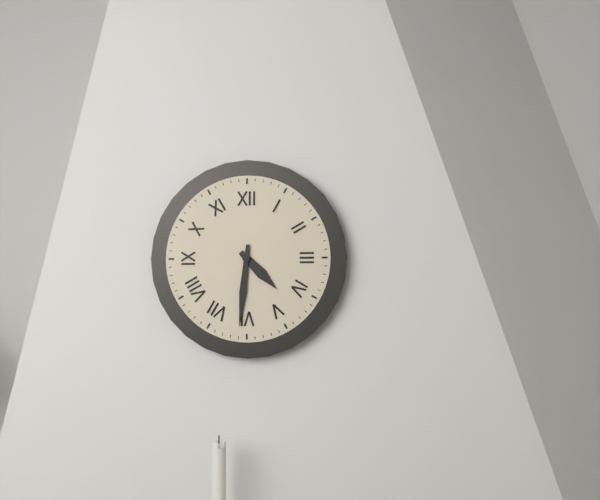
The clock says **4:31**
